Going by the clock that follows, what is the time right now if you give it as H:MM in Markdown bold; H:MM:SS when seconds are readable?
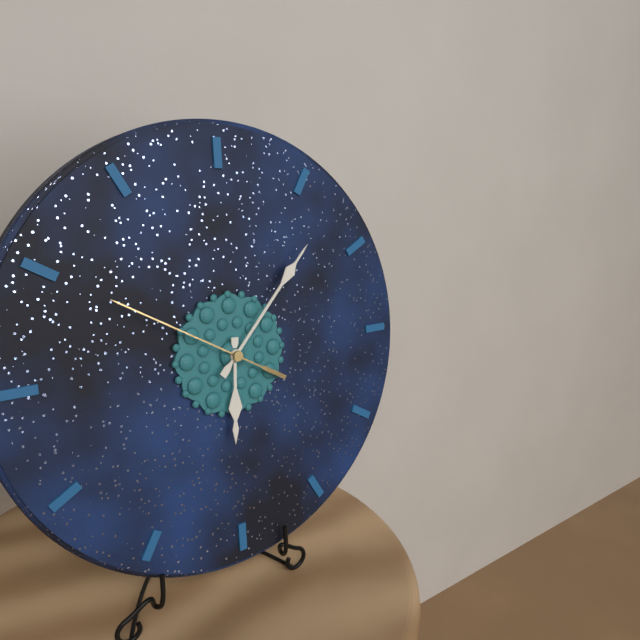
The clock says **6:07:50**
